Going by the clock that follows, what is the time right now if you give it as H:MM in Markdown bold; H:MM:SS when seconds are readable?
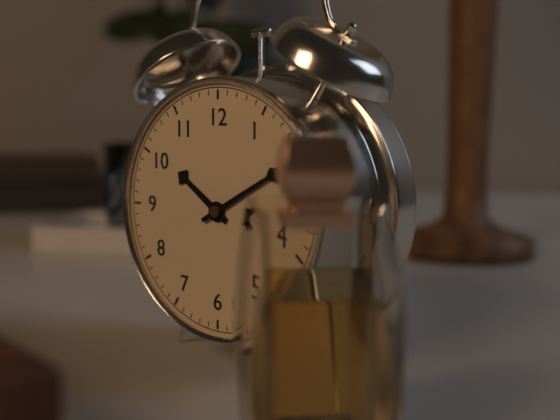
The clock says **10:10**
